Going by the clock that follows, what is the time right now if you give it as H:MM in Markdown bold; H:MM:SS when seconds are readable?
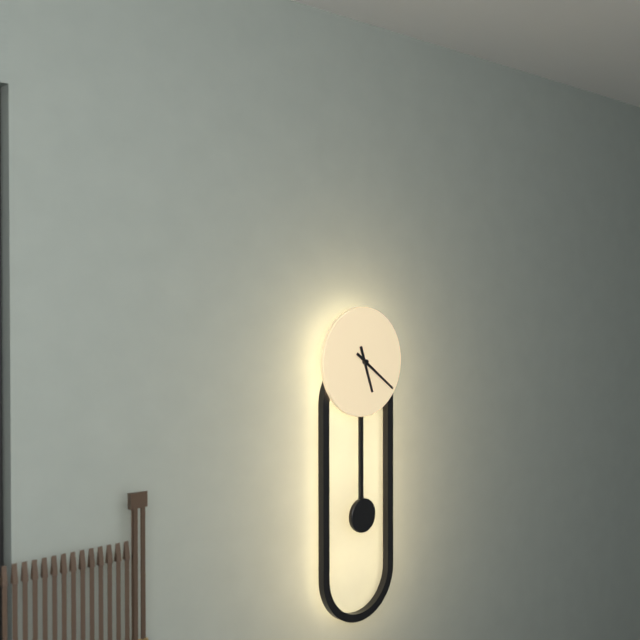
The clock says **5:21**
